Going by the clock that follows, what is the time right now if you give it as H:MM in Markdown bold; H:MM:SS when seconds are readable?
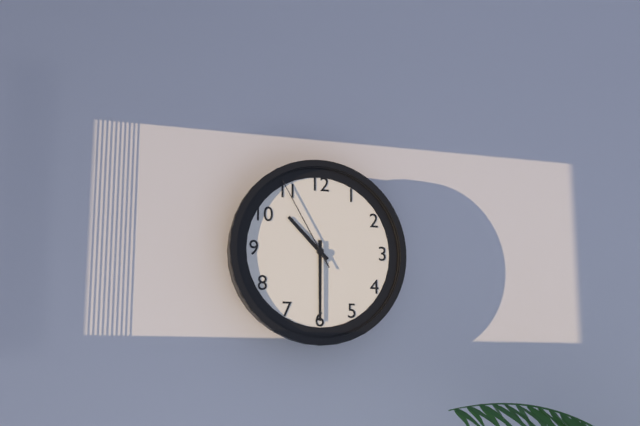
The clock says **10:30:55**
